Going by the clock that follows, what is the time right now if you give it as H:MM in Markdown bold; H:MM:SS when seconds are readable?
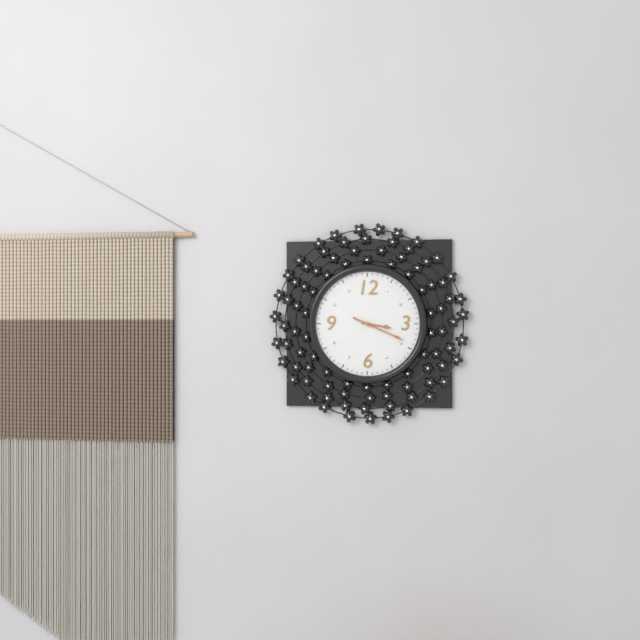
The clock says **3:19**
